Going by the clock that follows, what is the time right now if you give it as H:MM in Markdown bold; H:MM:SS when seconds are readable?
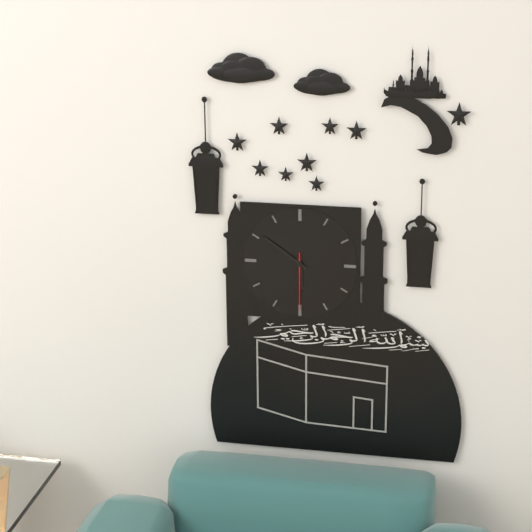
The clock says **5:51:30**
